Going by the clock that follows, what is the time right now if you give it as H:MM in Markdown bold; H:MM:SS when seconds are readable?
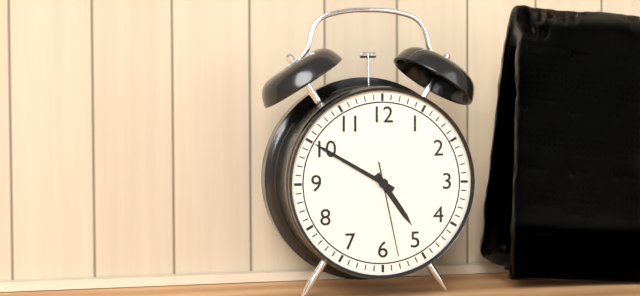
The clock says **4:50:28**
